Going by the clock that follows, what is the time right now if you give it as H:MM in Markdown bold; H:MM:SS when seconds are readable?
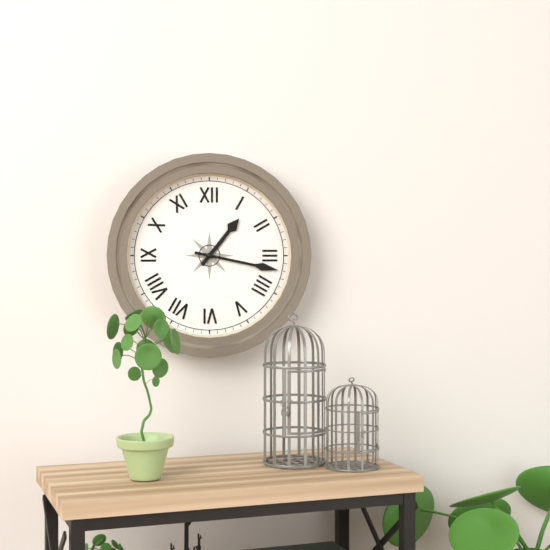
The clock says **1:17**
